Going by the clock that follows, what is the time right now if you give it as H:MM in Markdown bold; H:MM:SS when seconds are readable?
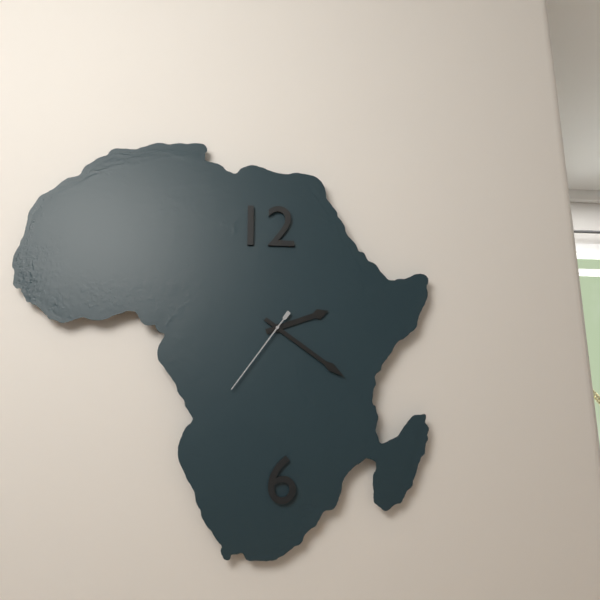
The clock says **2:21:36**
